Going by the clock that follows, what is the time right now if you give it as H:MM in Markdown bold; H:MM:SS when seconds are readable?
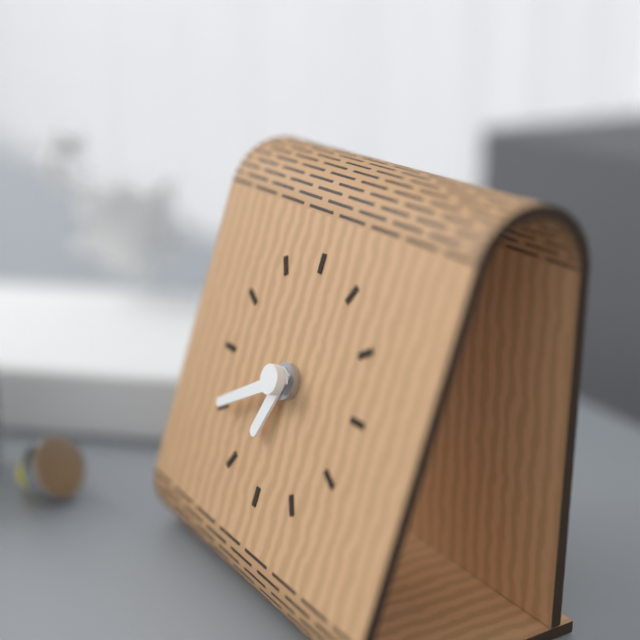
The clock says **6:40**
